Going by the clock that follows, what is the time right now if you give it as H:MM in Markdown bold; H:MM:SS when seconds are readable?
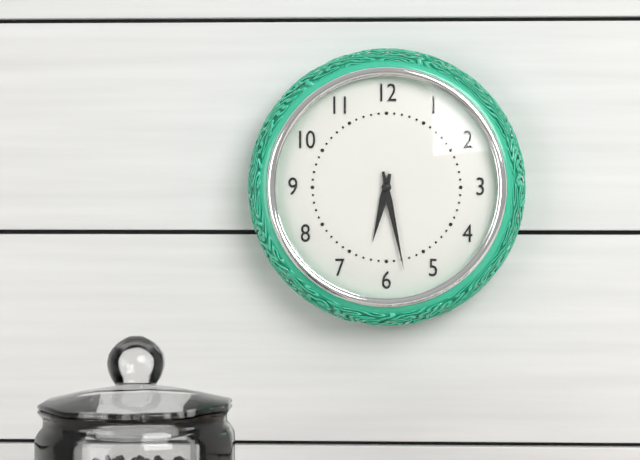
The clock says **6:28**
